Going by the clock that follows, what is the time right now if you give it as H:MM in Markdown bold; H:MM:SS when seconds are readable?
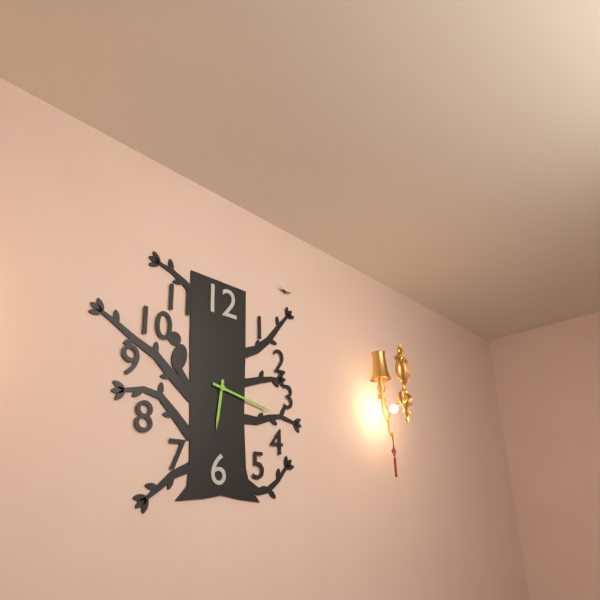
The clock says **6:17**
